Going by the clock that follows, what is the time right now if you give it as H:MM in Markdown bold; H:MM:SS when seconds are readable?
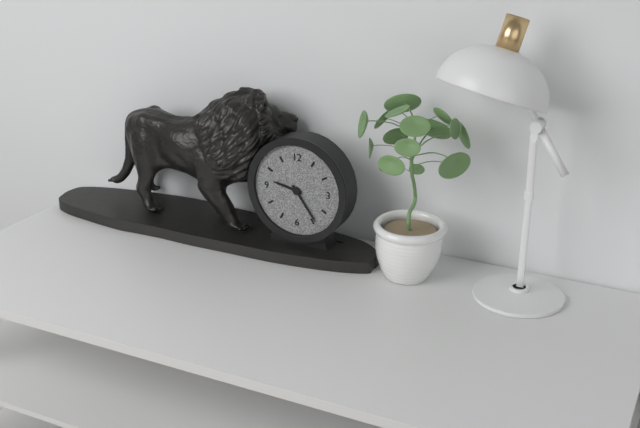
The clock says **9:24**
